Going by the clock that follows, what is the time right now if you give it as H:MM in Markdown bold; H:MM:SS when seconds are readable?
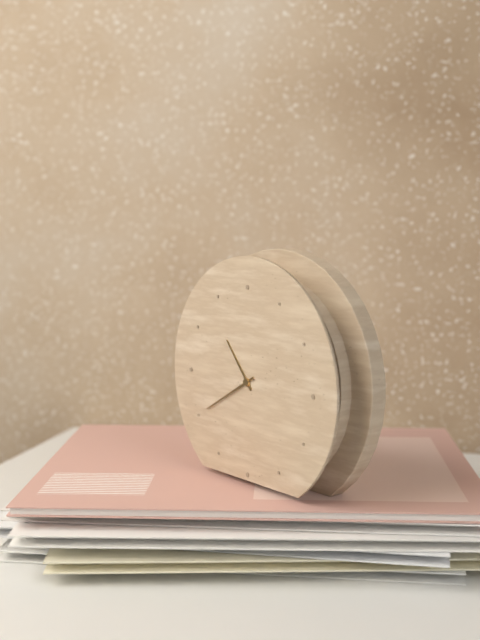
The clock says **10:40**
